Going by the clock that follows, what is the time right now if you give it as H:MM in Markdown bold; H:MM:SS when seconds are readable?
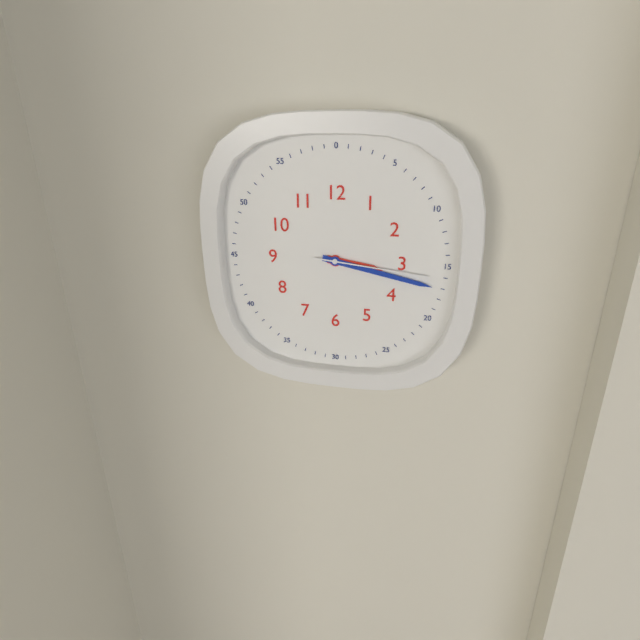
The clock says **3:17:16**
